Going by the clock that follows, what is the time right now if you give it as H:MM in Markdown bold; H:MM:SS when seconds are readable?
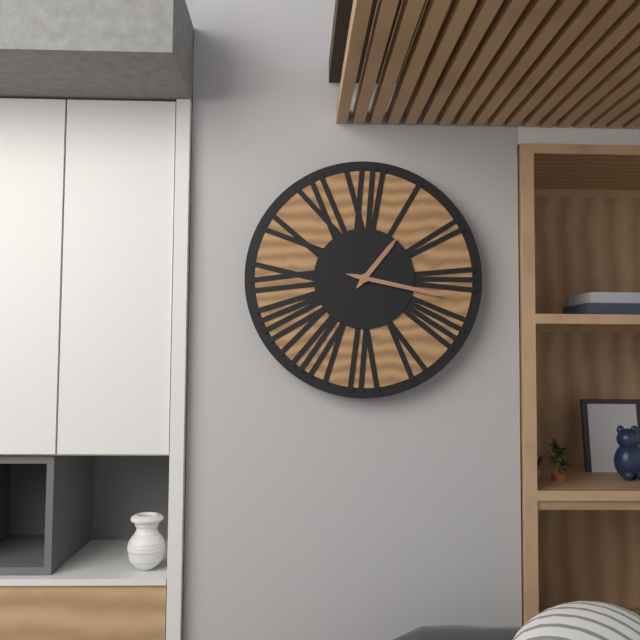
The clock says **1:17**
